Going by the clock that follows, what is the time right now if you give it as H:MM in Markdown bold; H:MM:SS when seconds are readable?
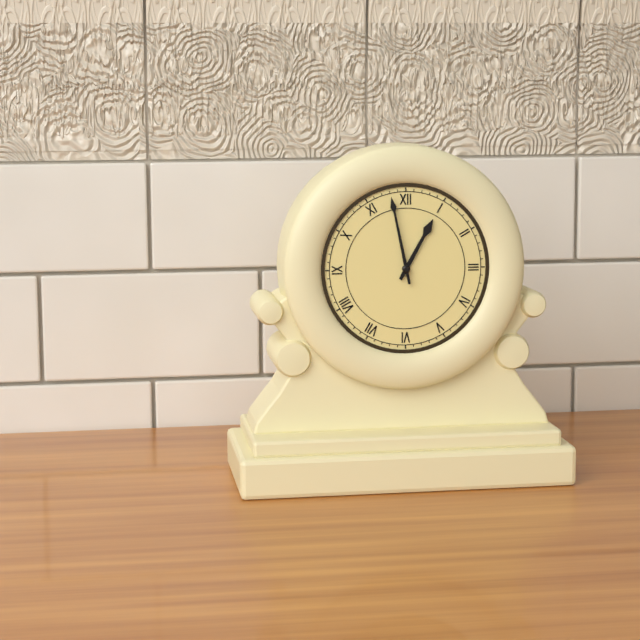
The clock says **12:58**
